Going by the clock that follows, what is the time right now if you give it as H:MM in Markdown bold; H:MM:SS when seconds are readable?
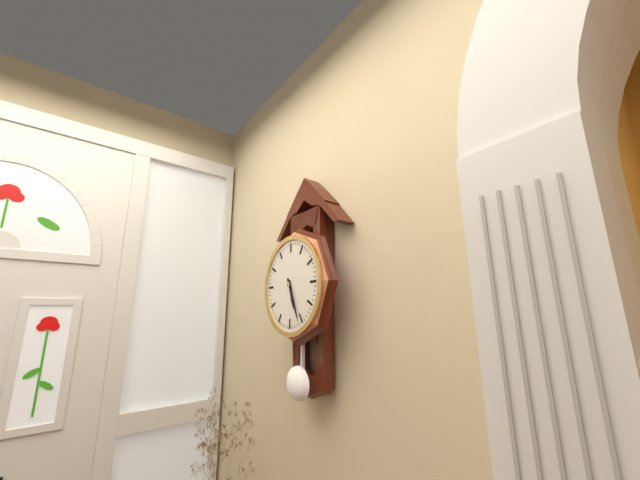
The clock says **5:26**
